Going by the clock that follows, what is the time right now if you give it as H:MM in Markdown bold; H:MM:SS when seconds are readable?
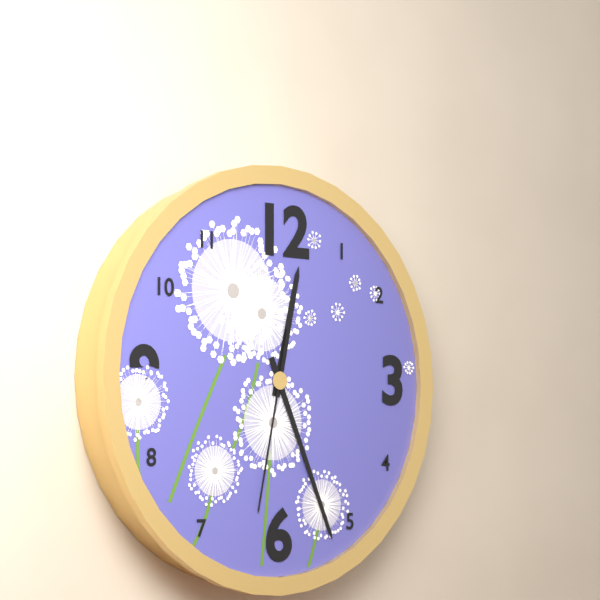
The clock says **12:26:32**
